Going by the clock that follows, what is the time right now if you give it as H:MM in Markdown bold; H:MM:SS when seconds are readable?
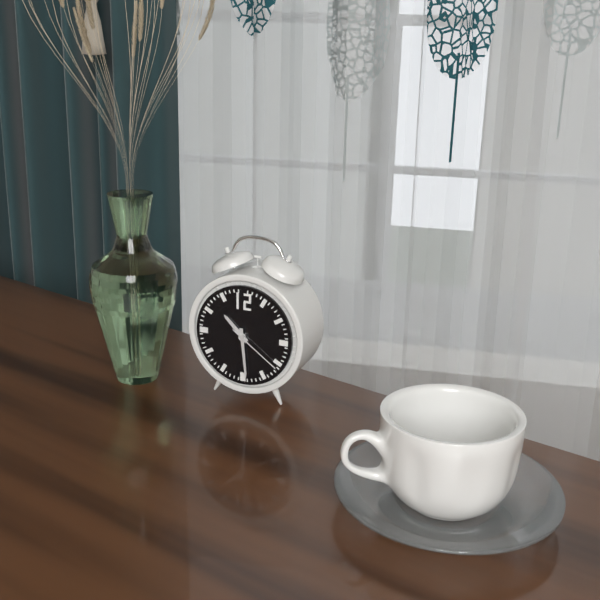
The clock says **10:29:21**
